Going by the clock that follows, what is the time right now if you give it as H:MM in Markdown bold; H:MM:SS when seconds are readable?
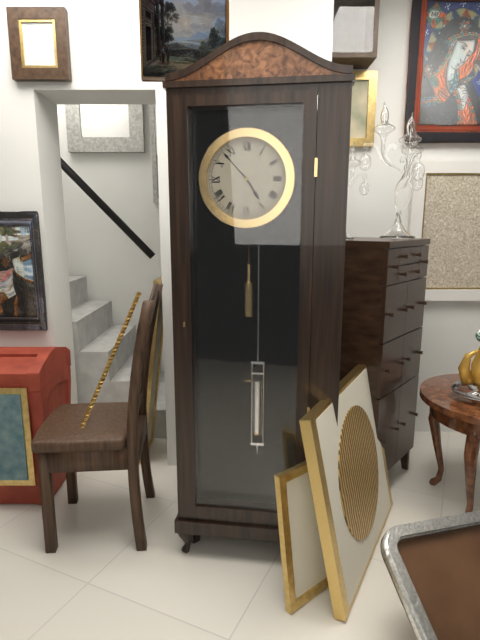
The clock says **4:53**
